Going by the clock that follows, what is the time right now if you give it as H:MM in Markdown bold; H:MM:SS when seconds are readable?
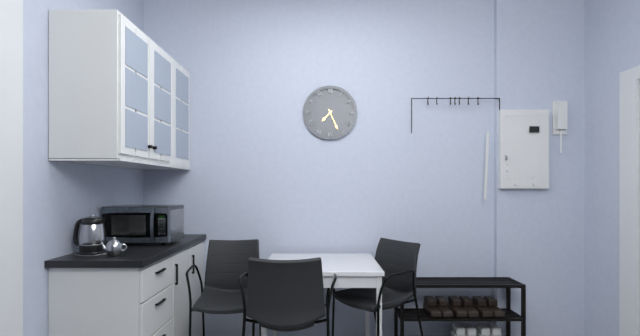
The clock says **7:26**
